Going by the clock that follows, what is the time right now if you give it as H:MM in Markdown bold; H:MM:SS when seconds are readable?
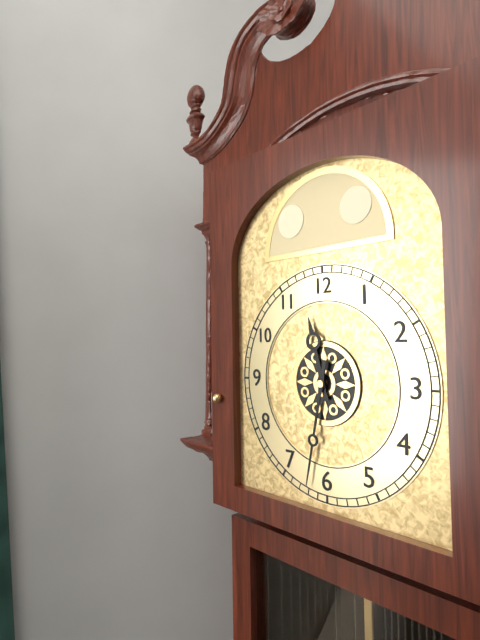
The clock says **11:32**
